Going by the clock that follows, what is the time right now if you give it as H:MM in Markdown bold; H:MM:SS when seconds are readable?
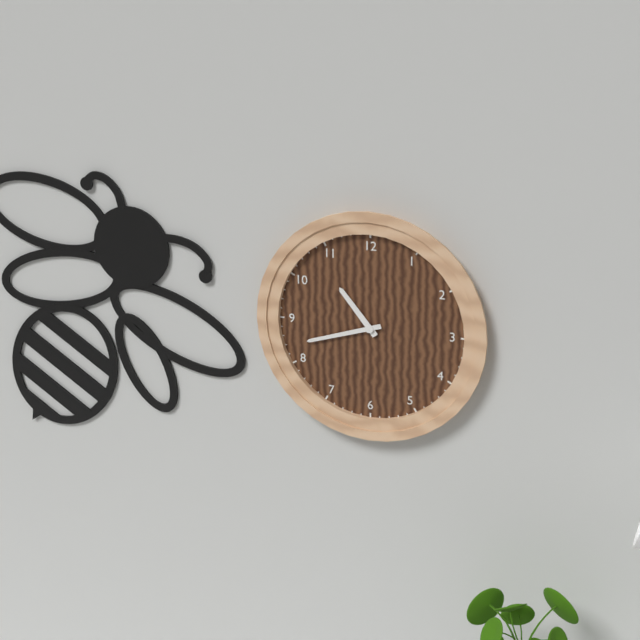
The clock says **10:42**
